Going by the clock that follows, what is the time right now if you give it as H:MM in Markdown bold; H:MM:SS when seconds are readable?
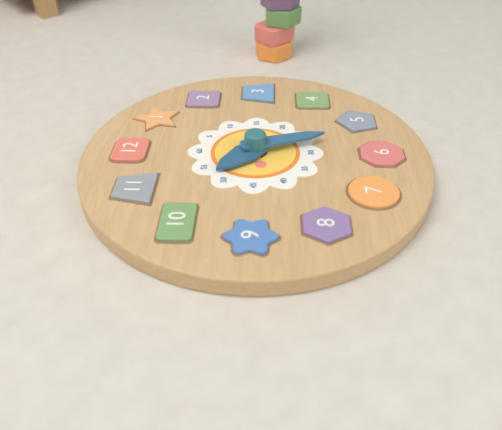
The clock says **10:27**
